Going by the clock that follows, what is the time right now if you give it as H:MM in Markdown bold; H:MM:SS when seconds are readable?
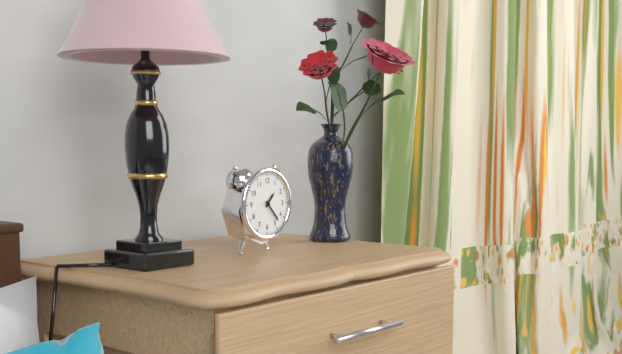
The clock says **1:23**
